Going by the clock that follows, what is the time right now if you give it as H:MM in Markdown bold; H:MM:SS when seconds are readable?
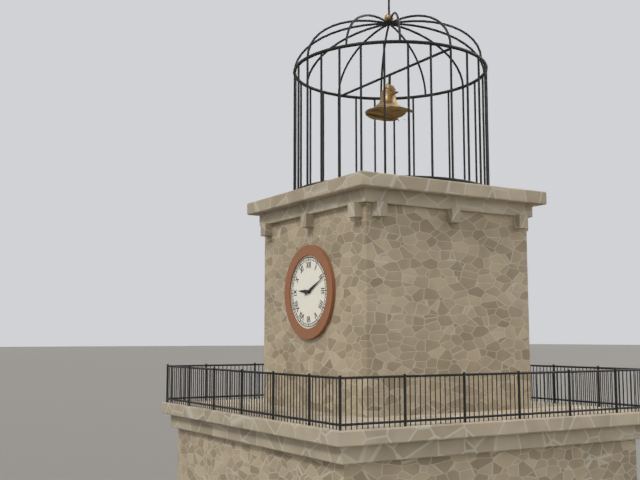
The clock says **9:11**
